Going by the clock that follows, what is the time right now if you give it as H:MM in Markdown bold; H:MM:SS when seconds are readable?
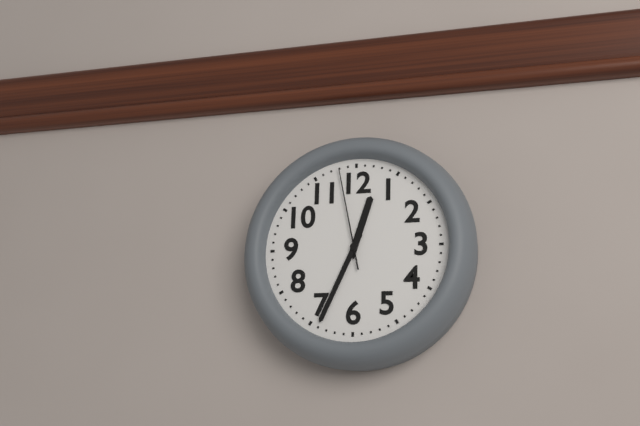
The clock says **12:34:58**
